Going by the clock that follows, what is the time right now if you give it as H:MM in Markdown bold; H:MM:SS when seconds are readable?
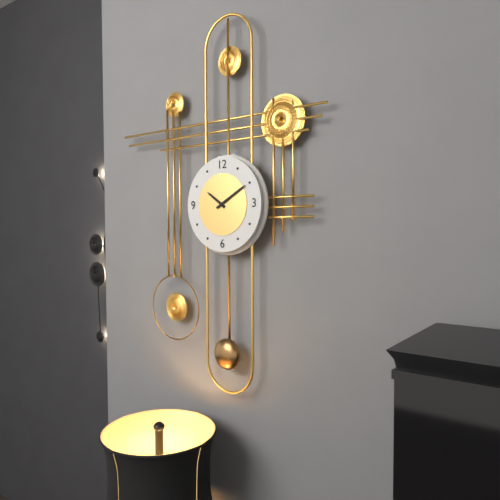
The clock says **10:10**
